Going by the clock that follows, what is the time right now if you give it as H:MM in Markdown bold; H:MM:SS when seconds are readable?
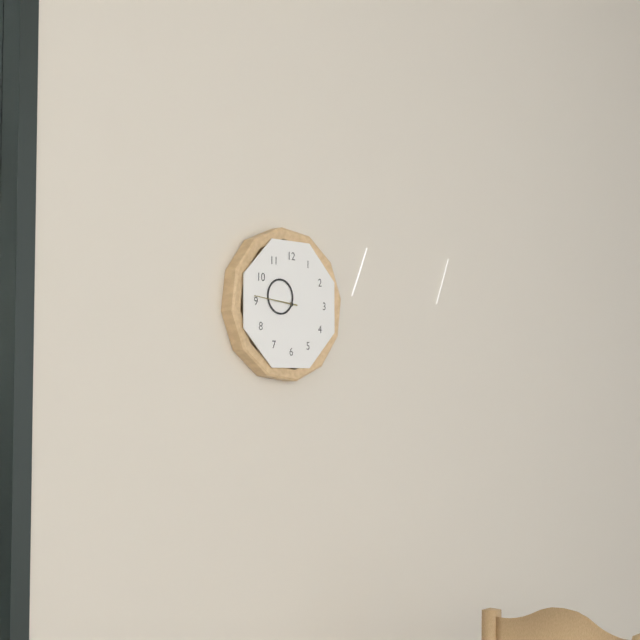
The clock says **9:46**
